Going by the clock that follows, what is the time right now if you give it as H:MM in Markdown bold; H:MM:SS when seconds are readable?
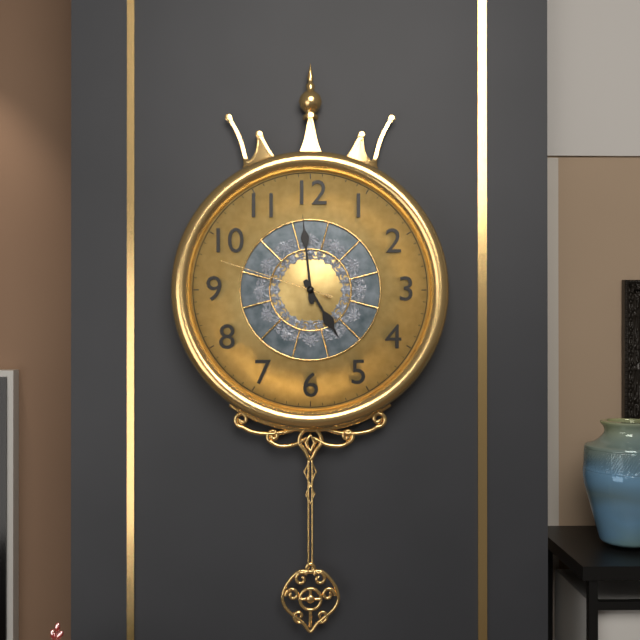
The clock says **4:59:48**
